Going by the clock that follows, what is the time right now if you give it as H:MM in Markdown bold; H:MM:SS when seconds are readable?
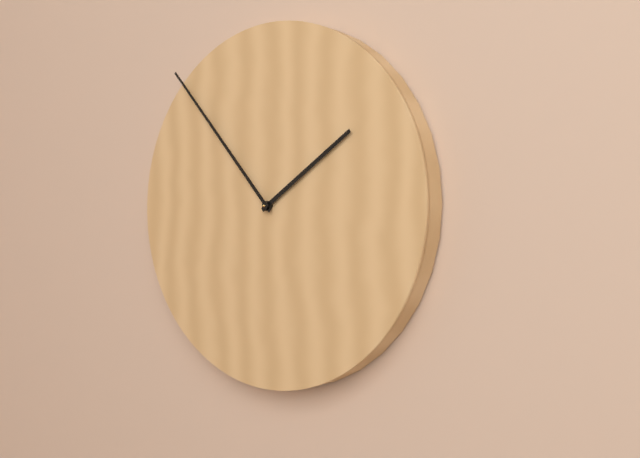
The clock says **1:53**
